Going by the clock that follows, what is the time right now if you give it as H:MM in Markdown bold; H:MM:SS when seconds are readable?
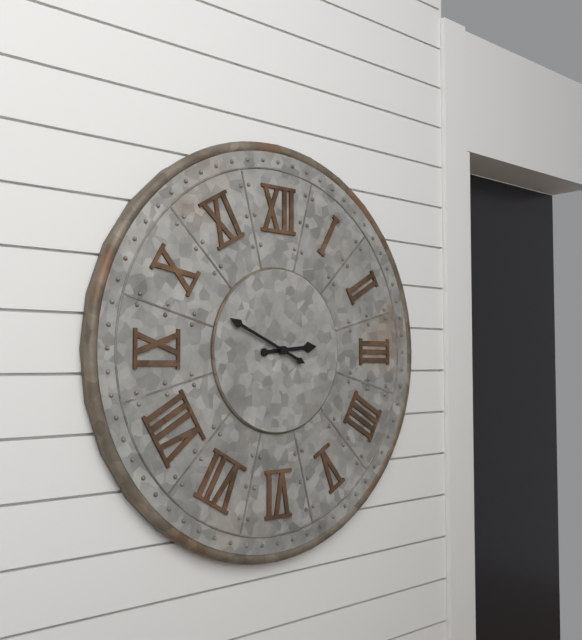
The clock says **2:49**
